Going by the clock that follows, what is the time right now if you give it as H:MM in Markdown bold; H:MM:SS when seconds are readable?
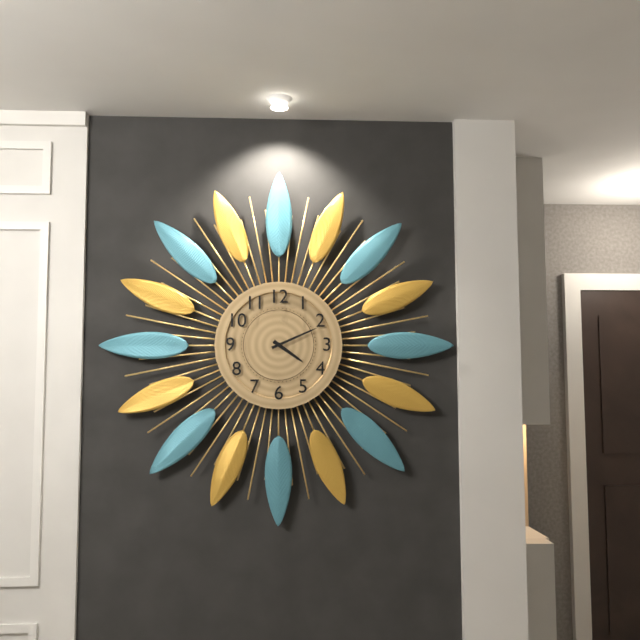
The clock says **4:11**
